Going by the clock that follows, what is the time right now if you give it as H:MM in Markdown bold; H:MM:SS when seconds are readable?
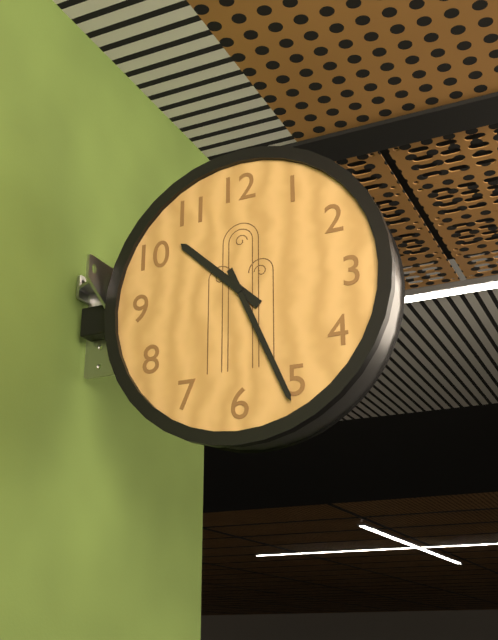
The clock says **10:26**
